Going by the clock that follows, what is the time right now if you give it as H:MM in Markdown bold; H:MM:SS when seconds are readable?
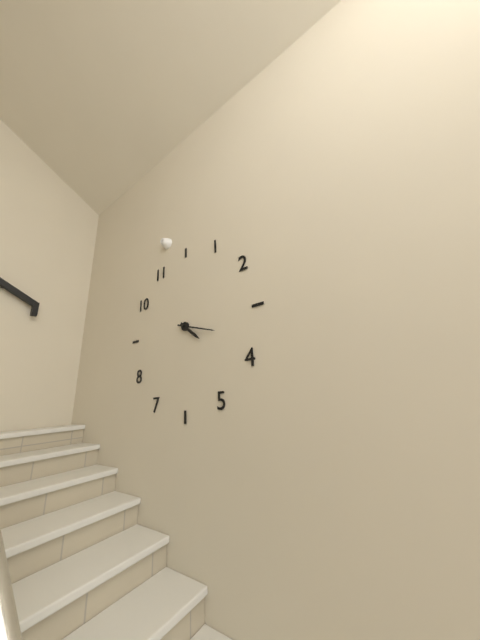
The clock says **4:18**
